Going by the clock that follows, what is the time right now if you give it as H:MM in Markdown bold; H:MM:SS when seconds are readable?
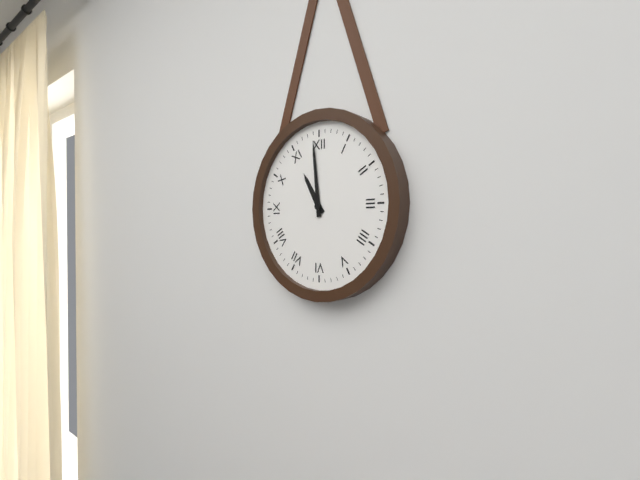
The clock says **10:59**
